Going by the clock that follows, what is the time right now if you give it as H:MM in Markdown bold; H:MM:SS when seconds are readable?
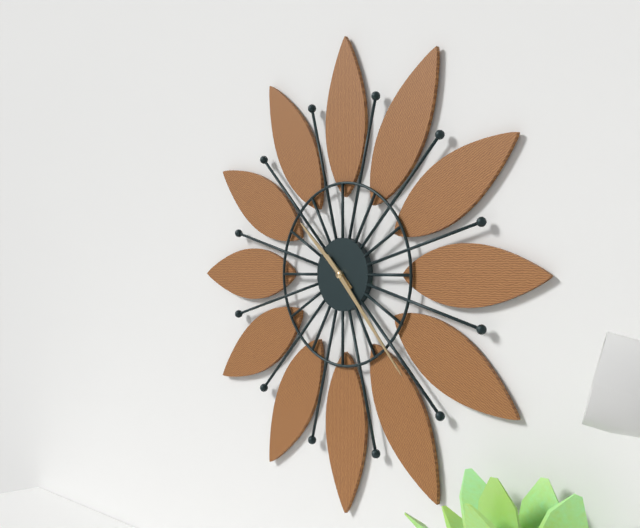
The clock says **10:23**
